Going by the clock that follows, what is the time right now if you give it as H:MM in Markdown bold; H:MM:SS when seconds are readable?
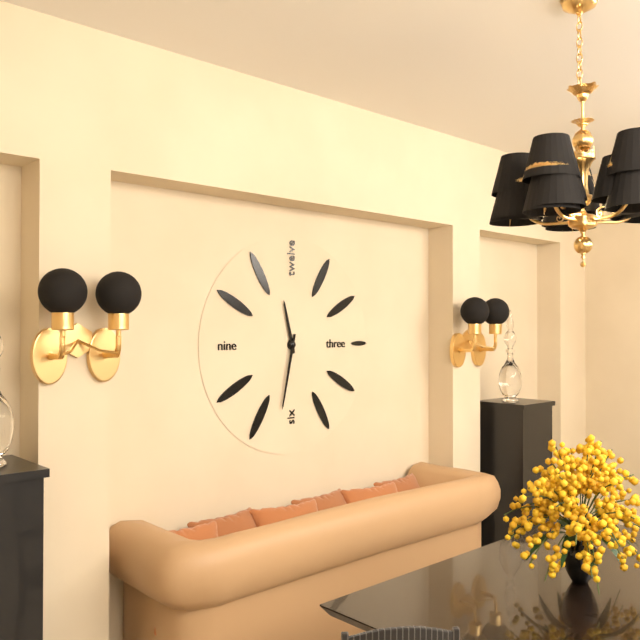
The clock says **11:32**
